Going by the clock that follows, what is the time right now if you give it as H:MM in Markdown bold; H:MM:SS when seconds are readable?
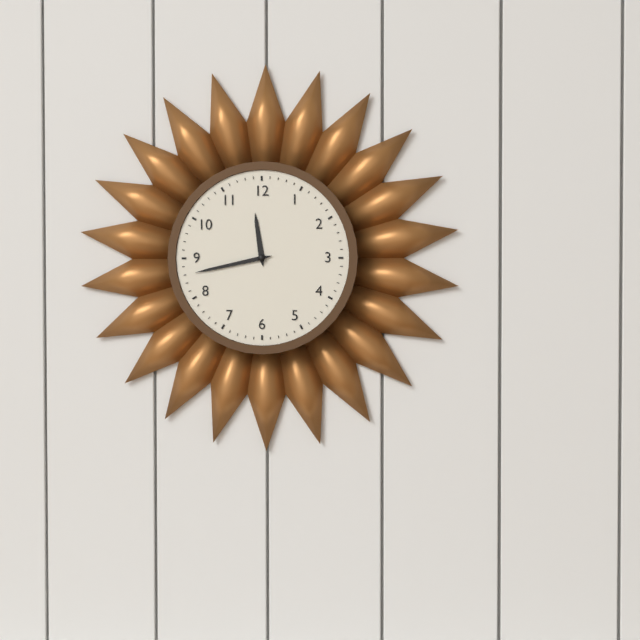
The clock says **11:43**
